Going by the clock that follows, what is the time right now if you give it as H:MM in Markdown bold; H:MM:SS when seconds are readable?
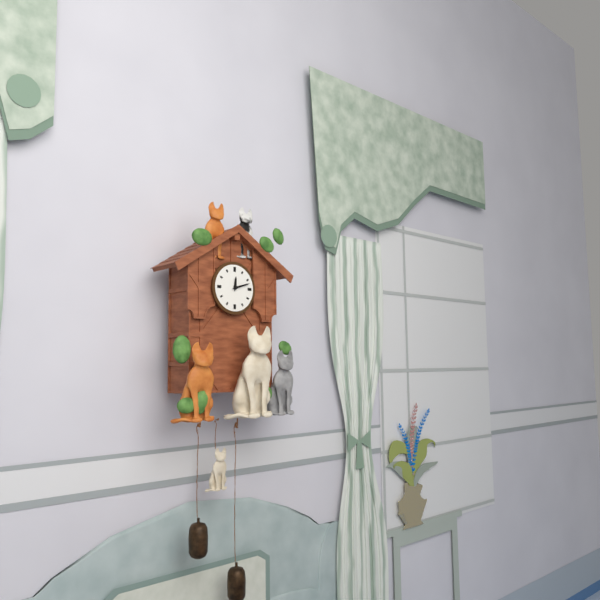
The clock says **12:12**
